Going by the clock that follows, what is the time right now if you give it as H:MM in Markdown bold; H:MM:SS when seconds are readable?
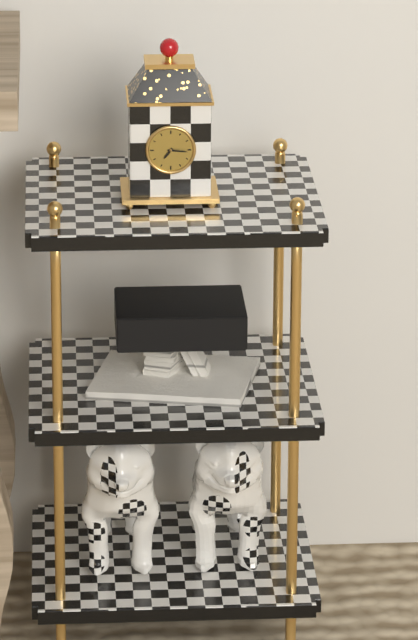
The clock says **7:16**
